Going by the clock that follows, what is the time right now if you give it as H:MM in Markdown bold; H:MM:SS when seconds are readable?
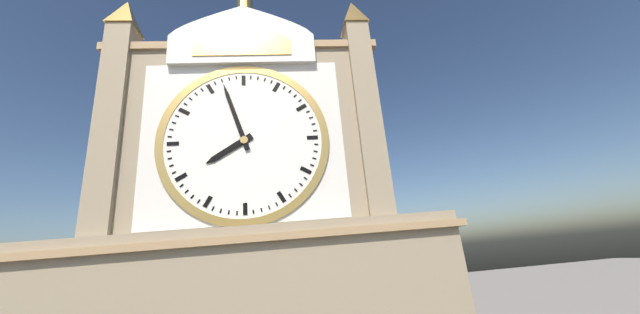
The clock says **7:57**
